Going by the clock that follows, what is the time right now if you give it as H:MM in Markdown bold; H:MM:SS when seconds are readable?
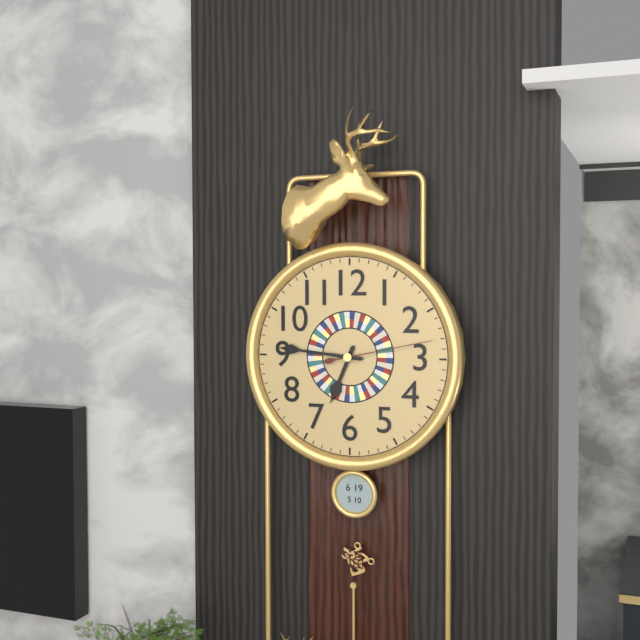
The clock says **6:46:13**
